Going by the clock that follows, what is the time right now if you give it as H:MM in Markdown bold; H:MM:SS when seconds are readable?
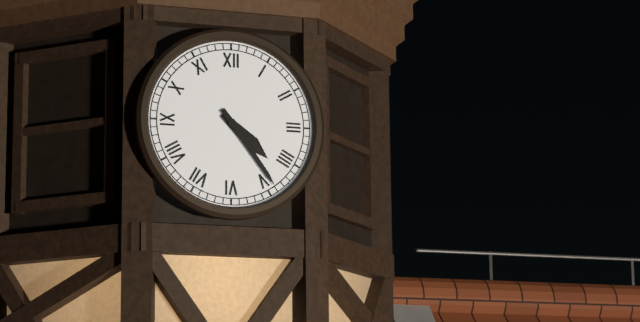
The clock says **4:24**
